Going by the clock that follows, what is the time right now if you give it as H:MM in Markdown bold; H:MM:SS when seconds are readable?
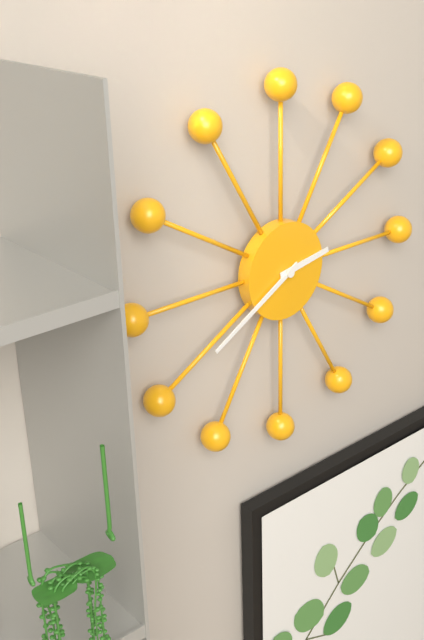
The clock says **2:40**
